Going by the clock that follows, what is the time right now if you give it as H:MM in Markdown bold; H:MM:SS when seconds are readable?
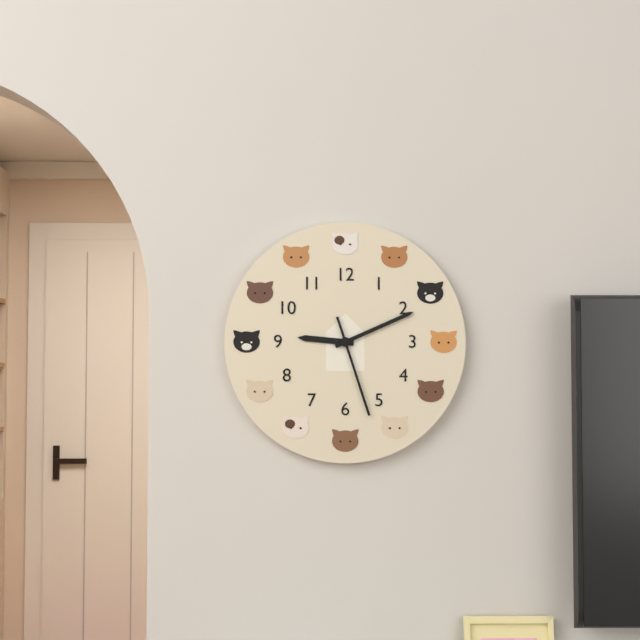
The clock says **9:11:27**
